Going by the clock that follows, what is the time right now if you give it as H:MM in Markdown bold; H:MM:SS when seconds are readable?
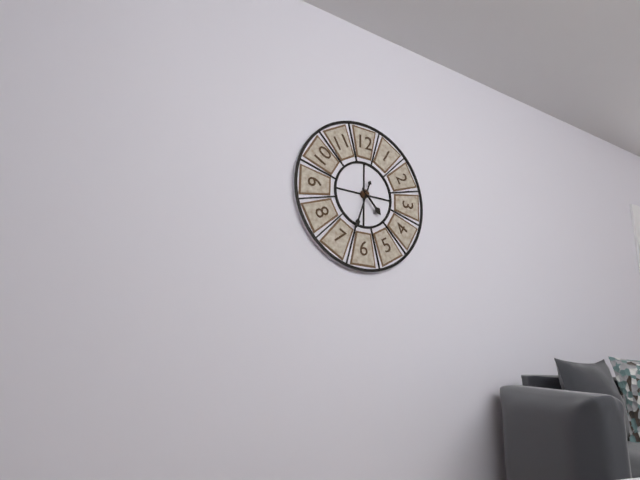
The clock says **4:33**
